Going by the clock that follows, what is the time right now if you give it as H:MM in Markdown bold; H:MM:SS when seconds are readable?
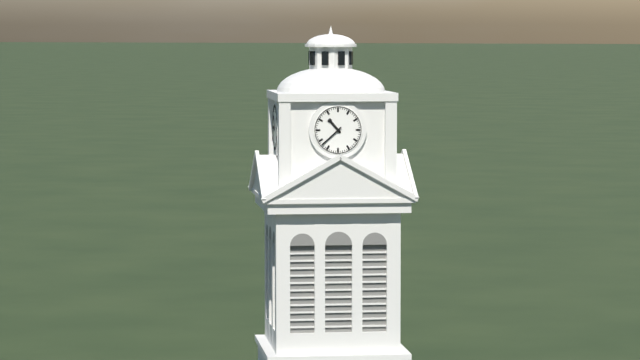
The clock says **10:38**
